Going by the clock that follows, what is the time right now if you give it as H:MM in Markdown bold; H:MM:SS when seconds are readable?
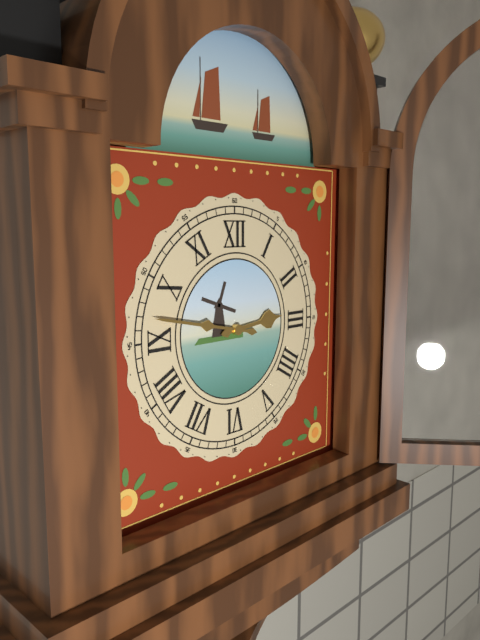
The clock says **2:47**
